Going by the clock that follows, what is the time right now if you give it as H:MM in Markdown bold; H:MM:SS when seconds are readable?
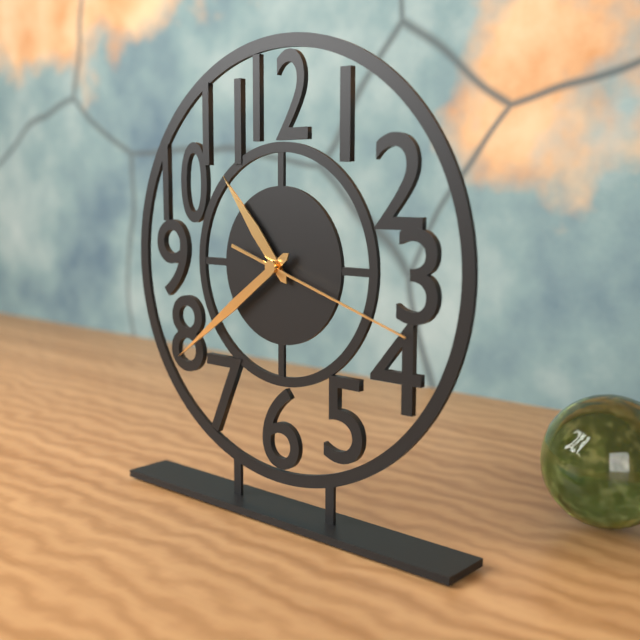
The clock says **10:39:18**
